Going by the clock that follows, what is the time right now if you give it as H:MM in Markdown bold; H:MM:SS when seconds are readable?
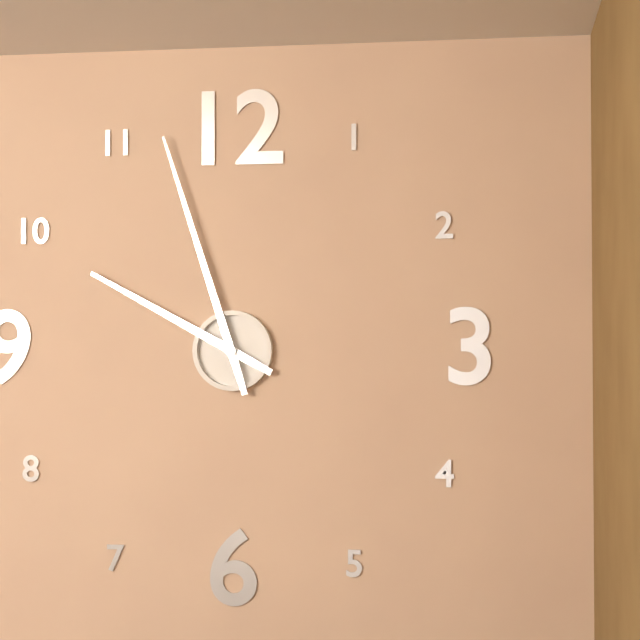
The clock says **9:57**
